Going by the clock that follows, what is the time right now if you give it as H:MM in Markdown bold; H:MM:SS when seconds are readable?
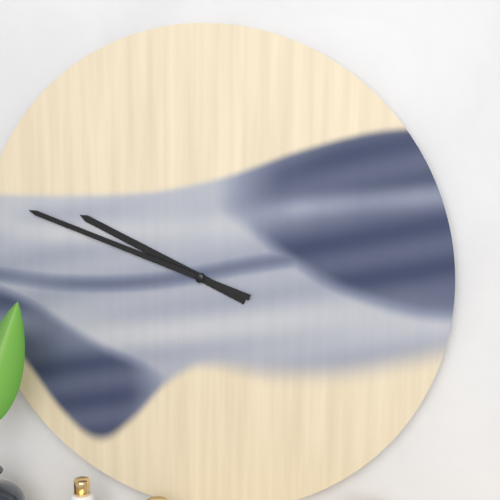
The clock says **9:48**
